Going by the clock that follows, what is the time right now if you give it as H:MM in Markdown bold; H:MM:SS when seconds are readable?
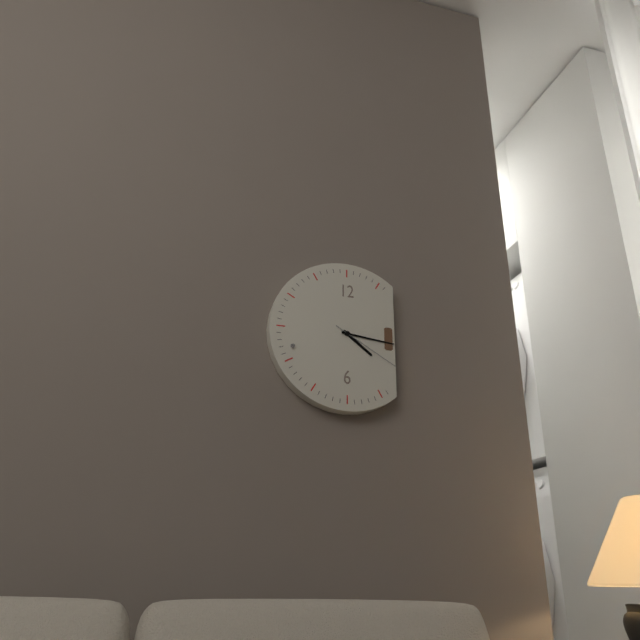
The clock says **4:16:20**
